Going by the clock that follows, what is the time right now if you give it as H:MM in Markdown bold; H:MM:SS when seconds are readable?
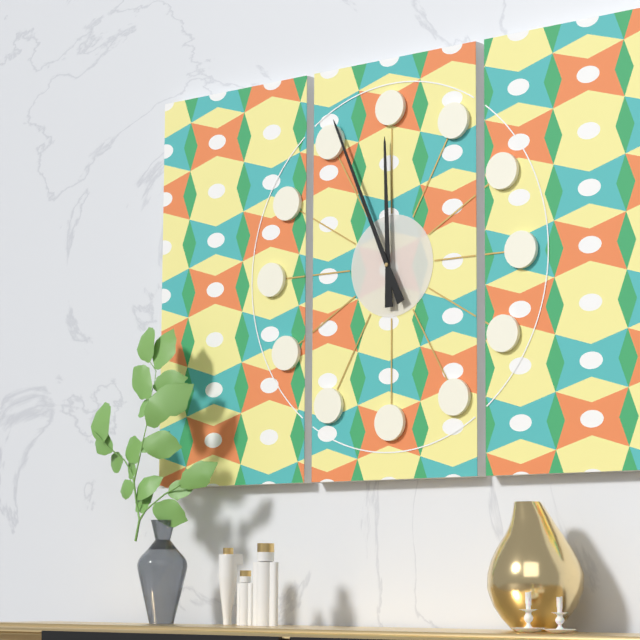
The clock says **11:56**
